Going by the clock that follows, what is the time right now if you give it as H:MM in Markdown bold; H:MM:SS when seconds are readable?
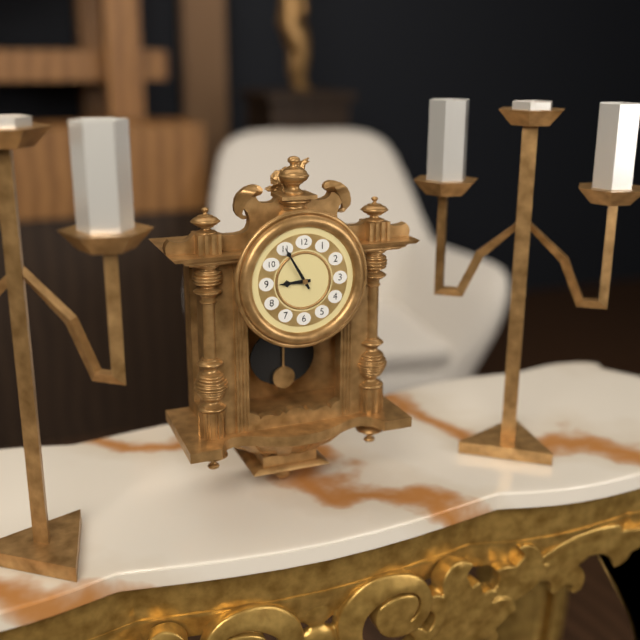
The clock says **8:55**
